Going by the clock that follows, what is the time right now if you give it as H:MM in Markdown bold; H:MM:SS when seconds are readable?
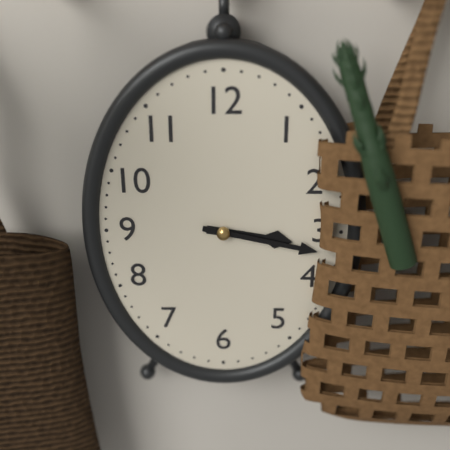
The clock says **3:17**
